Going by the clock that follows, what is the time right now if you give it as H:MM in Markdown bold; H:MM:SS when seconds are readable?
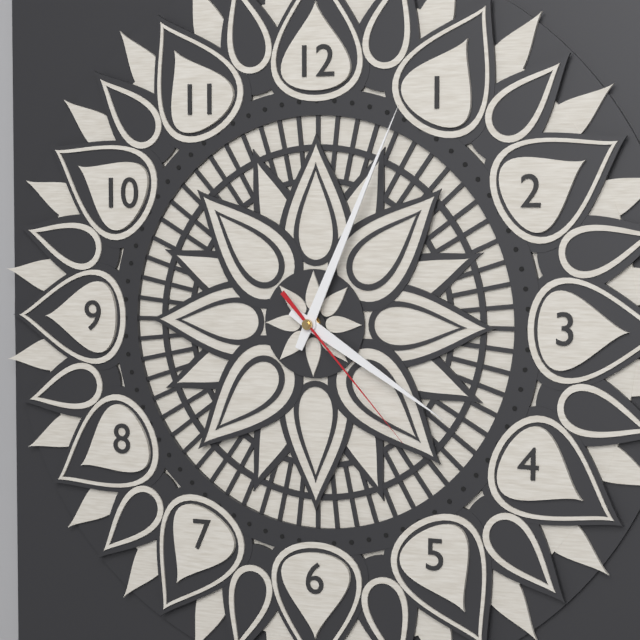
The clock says **4:04:23**
